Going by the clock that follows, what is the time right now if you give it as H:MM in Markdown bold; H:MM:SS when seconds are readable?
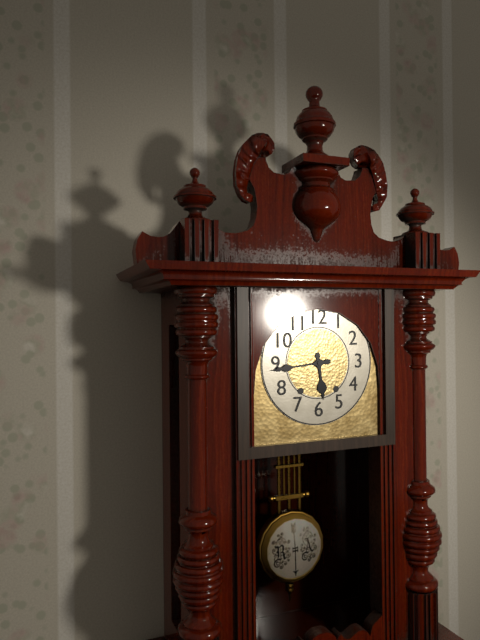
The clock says **5:44**
